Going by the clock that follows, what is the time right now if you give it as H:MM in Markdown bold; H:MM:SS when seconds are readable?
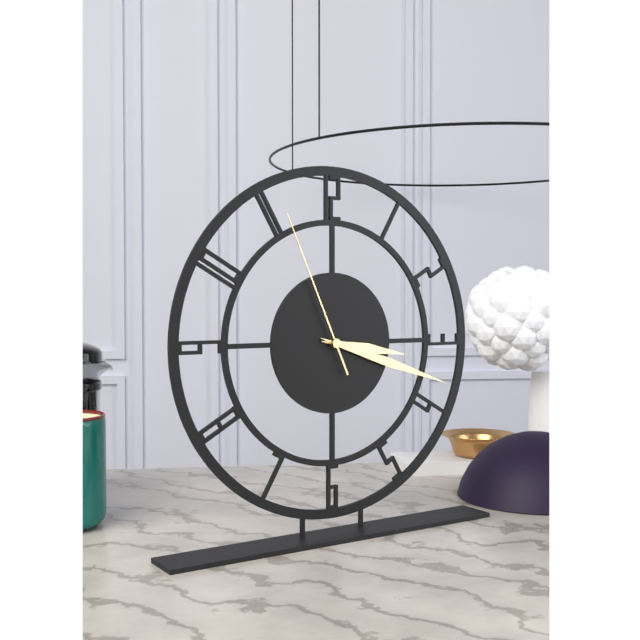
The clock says **3:18:56**
